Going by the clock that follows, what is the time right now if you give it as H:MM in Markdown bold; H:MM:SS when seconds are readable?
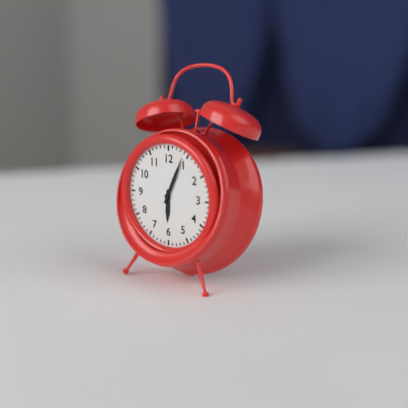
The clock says **6:04**
